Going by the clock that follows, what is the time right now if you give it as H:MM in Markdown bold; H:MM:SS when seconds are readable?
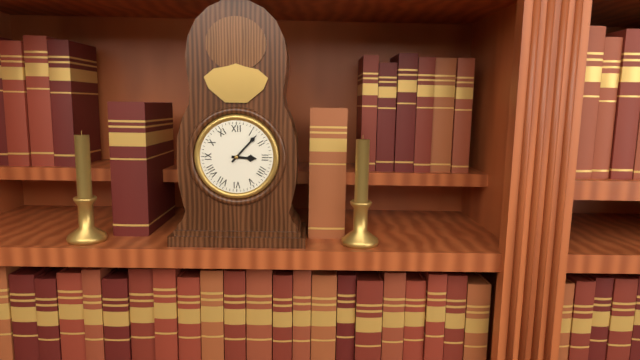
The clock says **3:07**
